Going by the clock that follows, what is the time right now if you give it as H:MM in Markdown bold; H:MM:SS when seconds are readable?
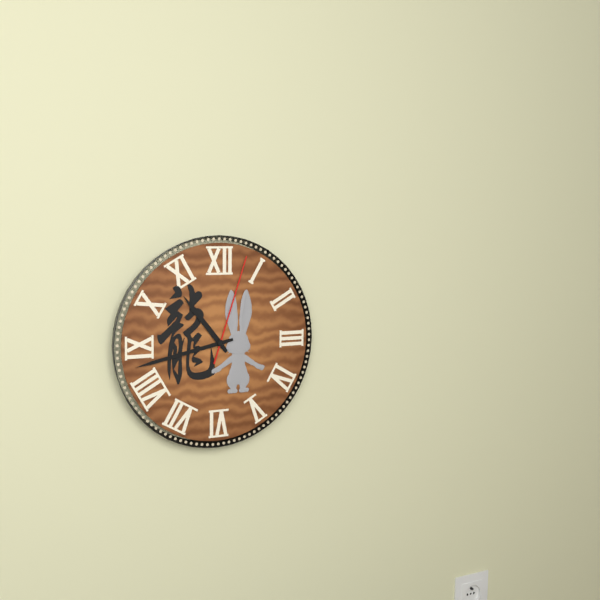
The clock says **10:43:03**
